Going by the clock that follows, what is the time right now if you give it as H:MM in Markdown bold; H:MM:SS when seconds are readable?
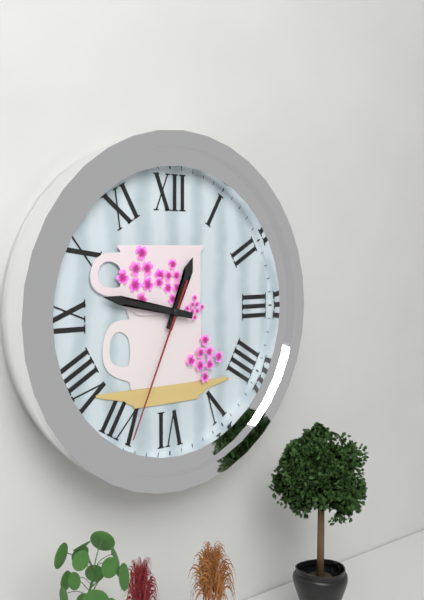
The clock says **12:47:34**
